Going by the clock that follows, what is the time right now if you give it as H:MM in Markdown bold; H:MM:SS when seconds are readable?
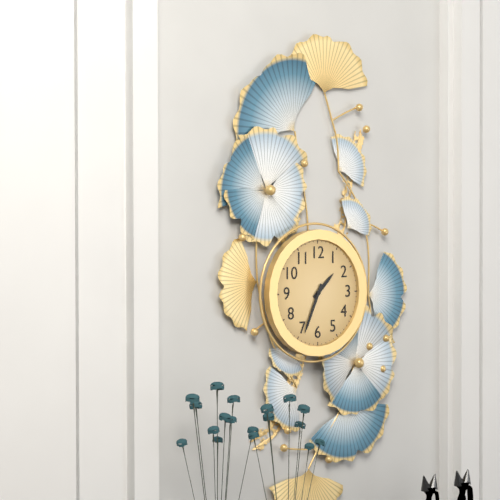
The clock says **1:34**
